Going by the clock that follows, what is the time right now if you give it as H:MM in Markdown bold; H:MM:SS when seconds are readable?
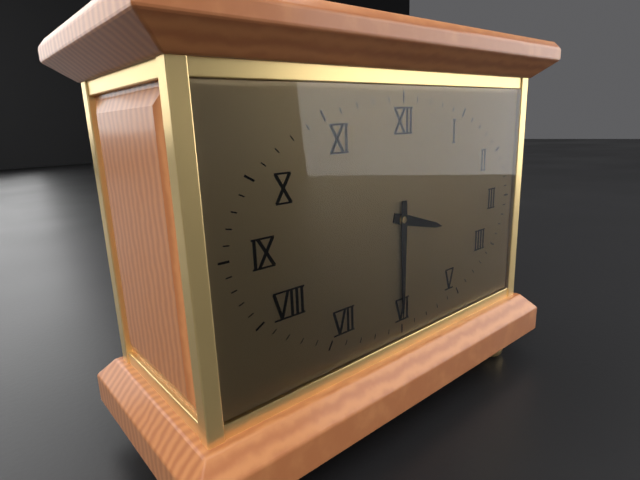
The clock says **3:30**
